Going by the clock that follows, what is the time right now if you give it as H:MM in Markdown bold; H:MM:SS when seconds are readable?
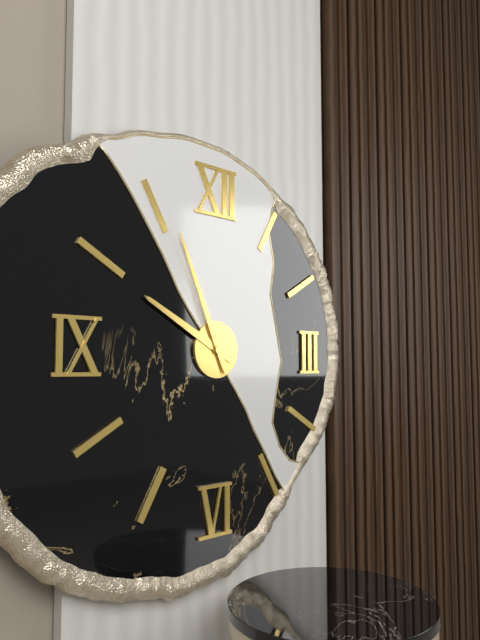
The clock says **9:56**
